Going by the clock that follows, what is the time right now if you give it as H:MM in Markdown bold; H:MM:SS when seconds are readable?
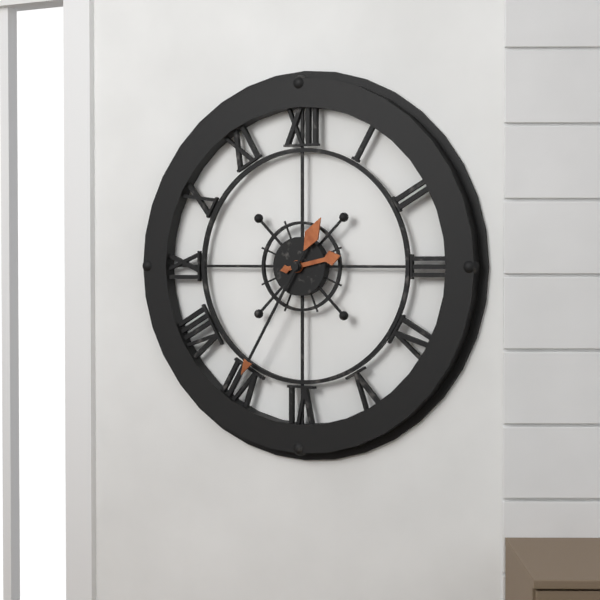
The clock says **2:35**
